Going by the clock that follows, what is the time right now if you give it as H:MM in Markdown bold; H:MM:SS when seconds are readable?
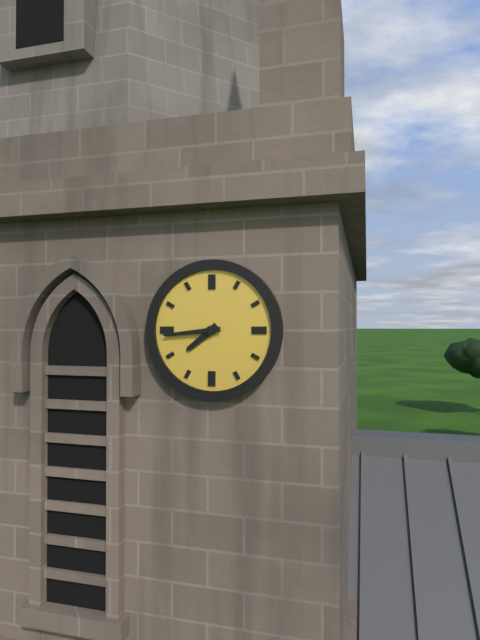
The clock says **7:44**
